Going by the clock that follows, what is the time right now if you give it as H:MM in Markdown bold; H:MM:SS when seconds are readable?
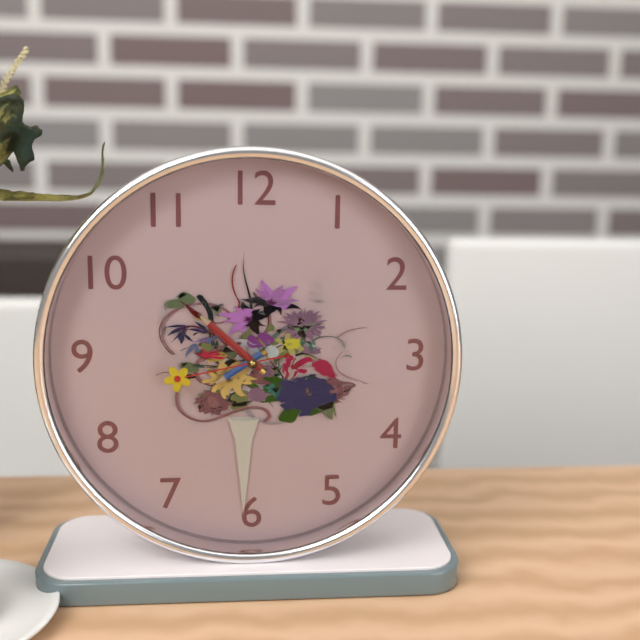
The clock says **7:52:43**
